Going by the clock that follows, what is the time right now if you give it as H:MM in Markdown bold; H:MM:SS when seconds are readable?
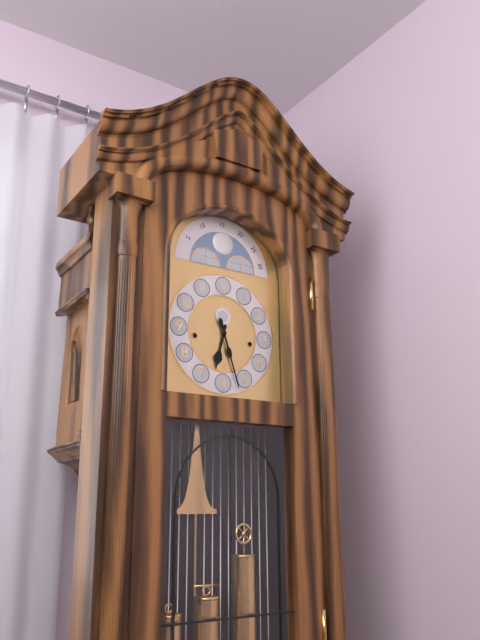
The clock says **6:27**
